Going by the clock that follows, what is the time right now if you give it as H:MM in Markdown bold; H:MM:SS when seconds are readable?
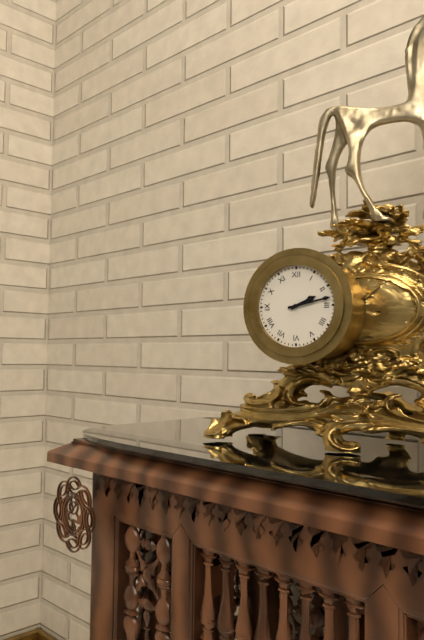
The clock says **2:13**
